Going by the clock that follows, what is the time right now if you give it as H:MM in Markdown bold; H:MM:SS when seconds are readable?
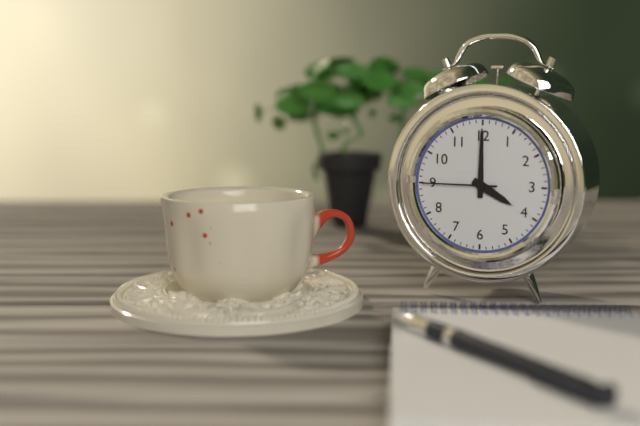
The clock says **4:00:45**
